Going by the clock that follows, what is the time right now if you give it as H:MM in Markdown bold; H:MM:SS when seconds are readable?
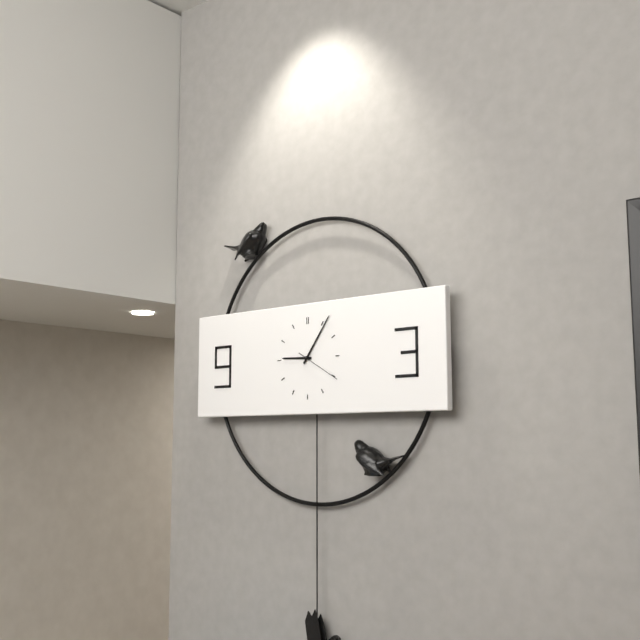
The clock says **9:06**
